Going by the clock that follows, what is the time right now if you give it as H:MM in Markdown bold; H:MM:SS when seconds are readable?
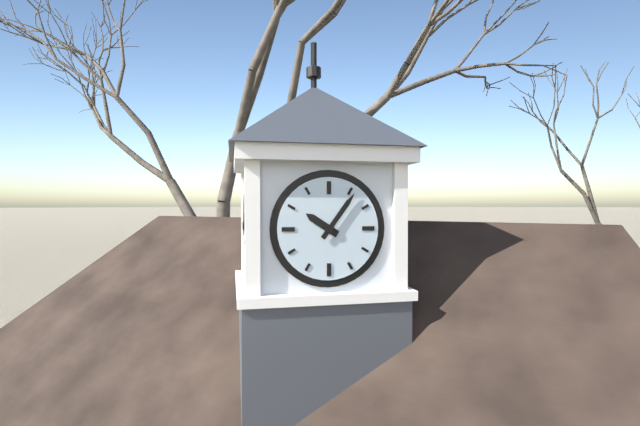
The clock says **10:06**
